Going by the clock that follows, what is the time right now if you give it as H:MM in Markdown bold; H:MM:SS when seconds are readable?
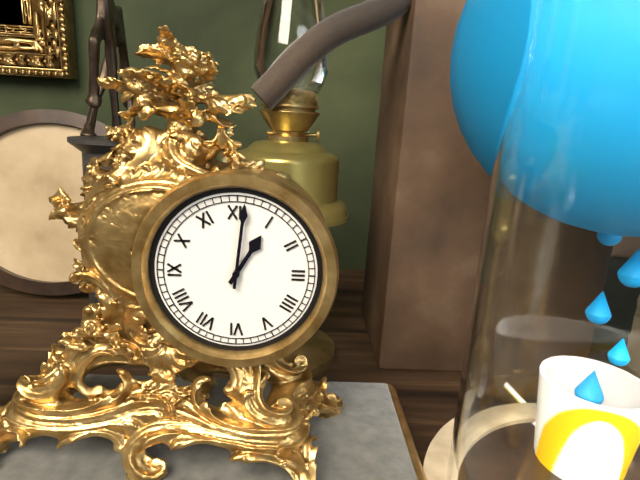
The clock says **1:01**
